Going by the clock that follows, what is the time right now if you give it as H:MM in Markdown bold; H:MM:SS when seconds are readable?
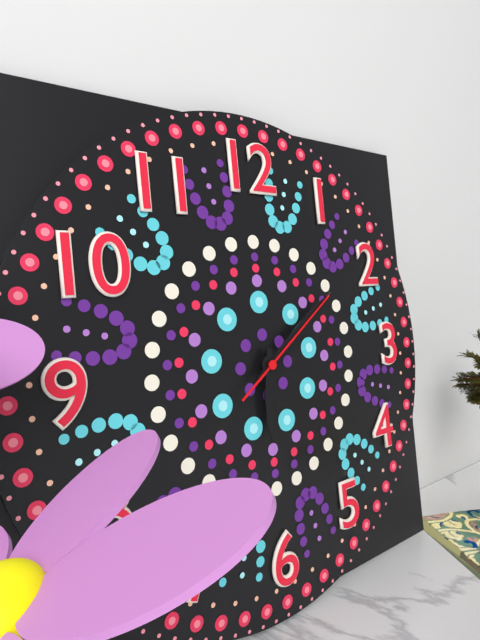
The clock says **6:09:09**
